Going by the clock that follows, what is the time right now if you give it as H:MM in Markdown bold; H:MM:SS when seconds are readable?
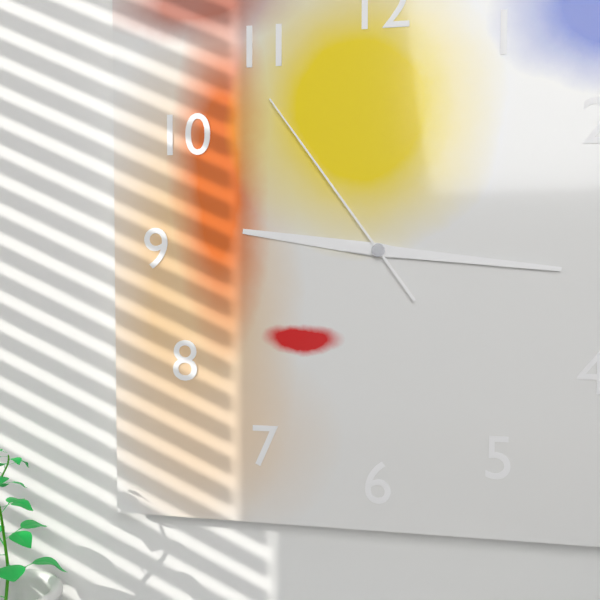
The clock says **9:16:54**
